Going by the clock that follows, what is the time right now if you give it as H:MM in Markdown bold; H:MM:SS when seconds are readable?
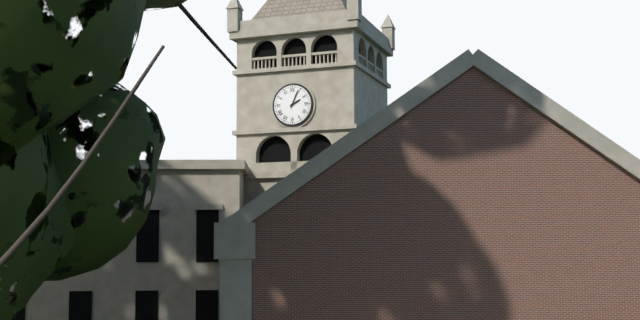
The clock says **2:04**
